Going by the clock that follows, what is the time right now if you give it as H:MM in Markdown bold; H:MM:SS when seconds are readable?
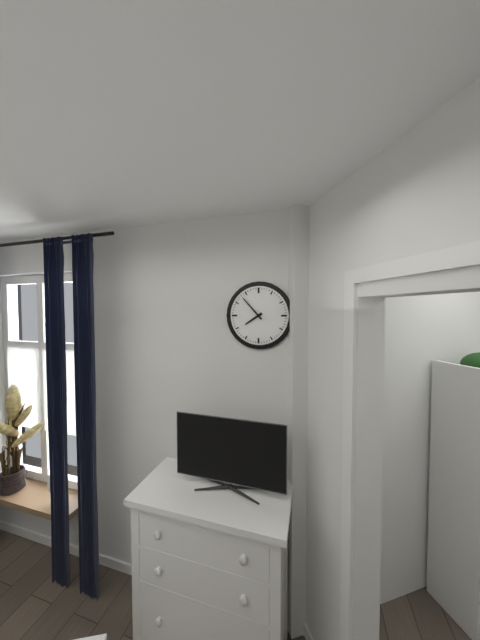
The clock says **7:53**
